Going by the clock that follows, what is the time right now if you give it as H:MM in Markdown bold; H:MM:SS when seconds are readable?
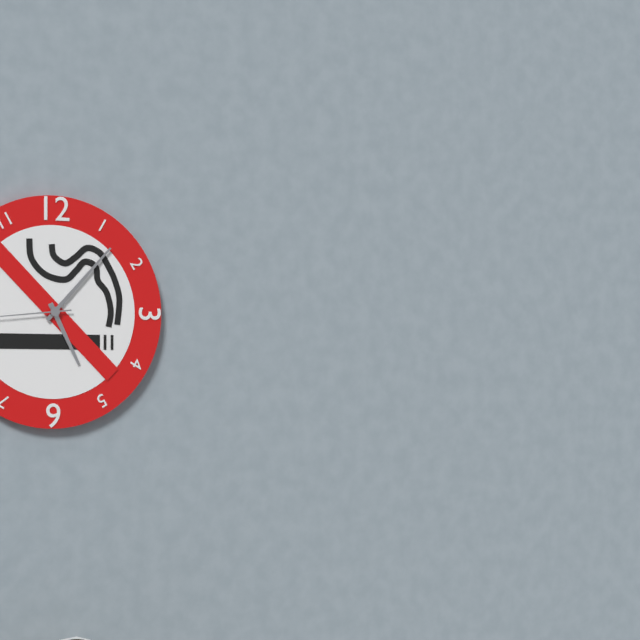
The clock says **5:07**
